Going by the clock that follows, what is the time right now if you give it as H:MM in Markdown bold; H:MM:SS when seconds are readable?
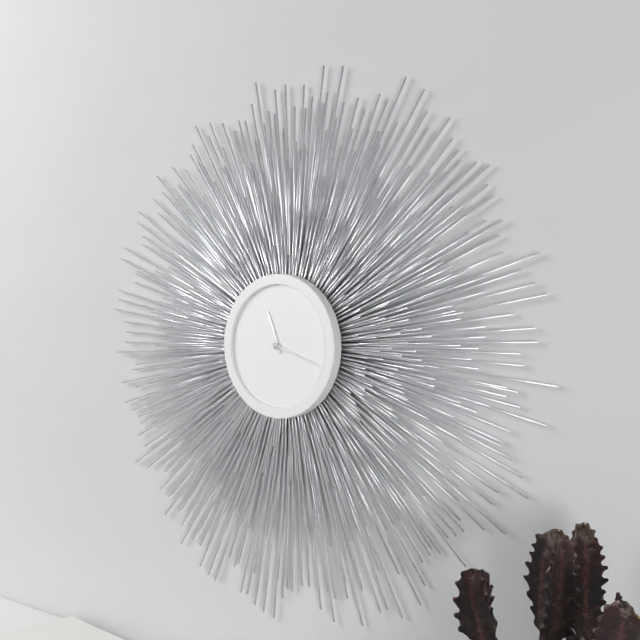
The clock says **11:18**
